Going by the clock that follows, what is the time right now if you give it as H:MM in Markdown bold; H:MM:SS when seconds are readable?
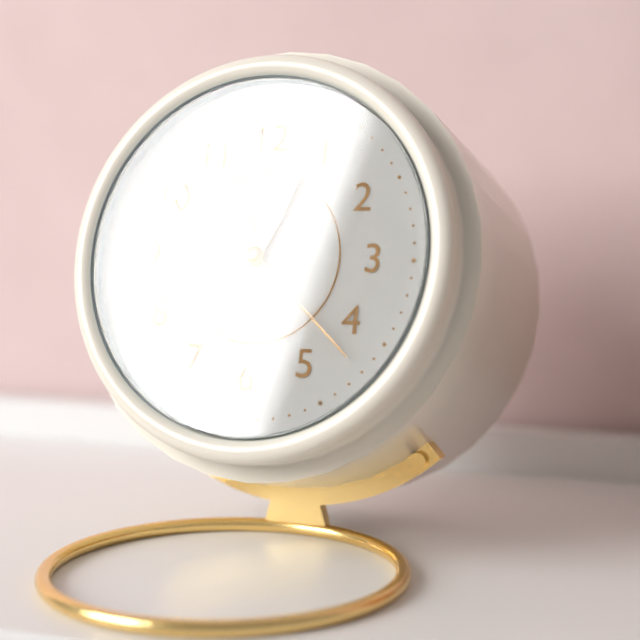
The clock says **11:04:22**
